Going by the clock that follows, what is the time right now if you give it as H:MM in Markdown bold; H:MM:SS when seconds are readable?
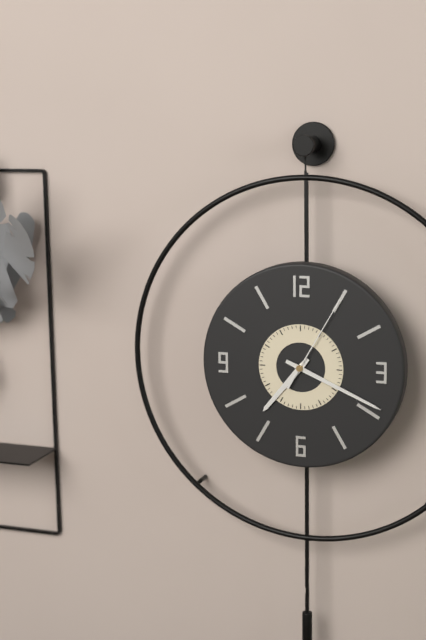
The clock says **7:19:05**
